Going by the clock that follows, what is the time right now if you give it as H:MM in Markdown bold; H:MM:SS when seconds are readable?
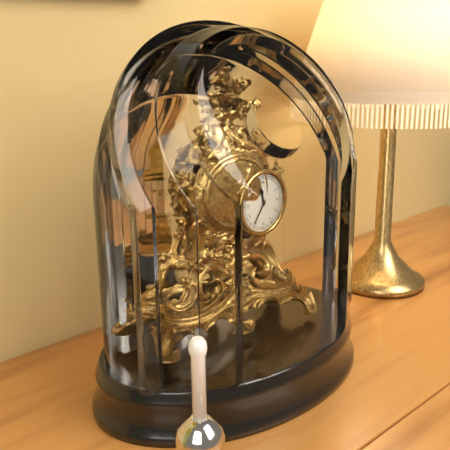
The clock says **11:36**
